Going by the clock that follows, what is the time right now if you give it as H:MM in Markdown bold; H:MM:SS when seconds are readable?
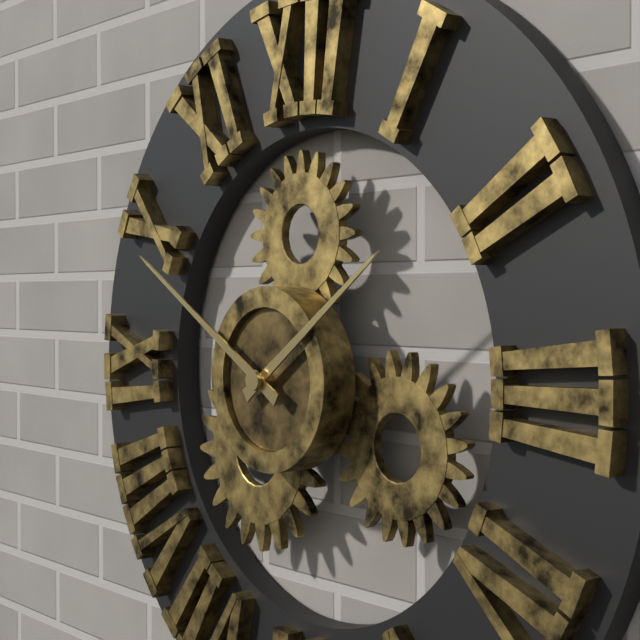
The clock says **1:50**
